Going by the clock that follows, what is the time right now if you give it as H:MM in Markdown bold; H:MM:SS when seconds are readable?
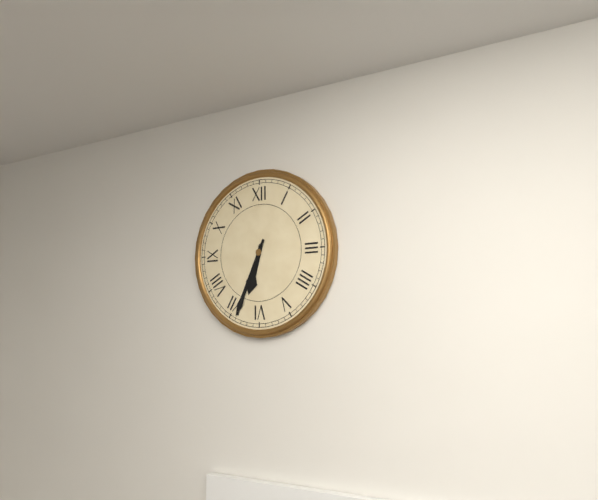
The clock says **6:34**
